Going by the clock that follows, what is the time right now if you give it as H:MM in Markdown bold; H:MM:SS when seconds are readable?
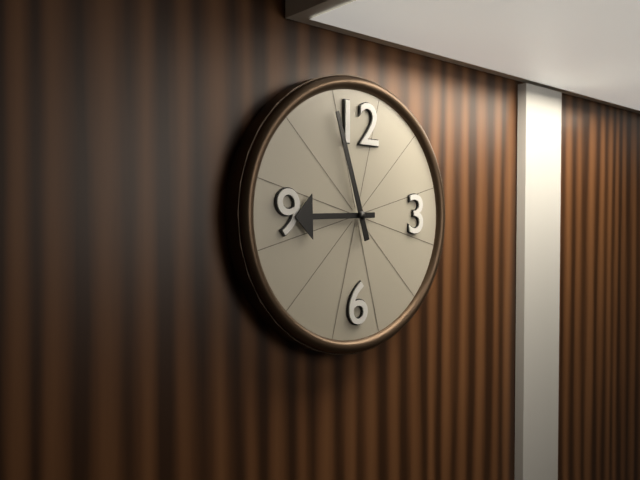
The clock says **8:57**
